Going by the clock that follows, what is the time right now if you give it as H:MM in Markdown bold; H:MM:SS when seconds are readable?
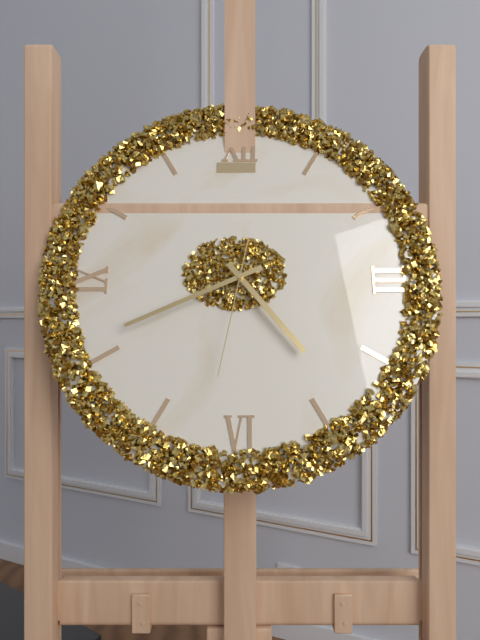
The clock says **4:41:32**
